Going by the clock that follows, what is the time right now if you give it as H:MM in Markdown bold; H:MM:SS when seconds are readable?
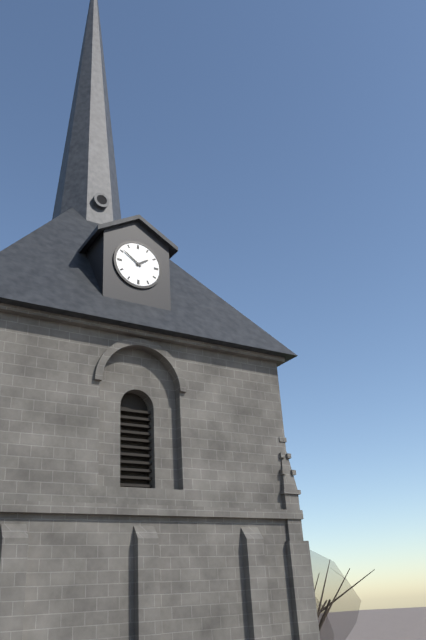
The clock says **1:51**
